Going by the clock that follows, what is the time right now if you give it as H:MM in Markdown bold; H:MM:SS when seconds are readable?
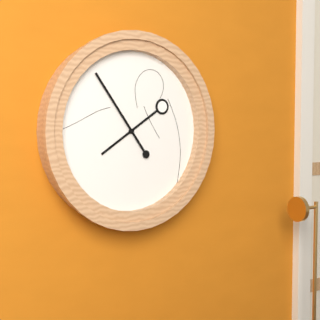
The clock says **7:54**
